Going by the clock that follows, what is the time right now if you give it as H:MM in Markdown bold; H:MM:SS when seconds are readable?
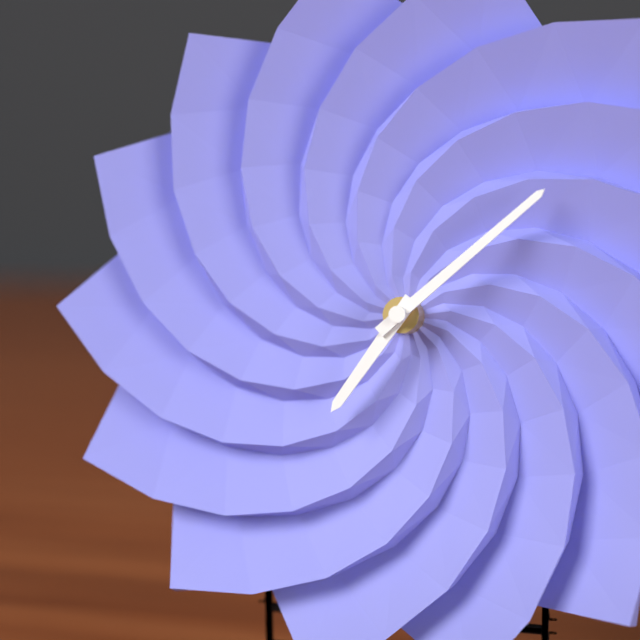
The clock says **7:08**
